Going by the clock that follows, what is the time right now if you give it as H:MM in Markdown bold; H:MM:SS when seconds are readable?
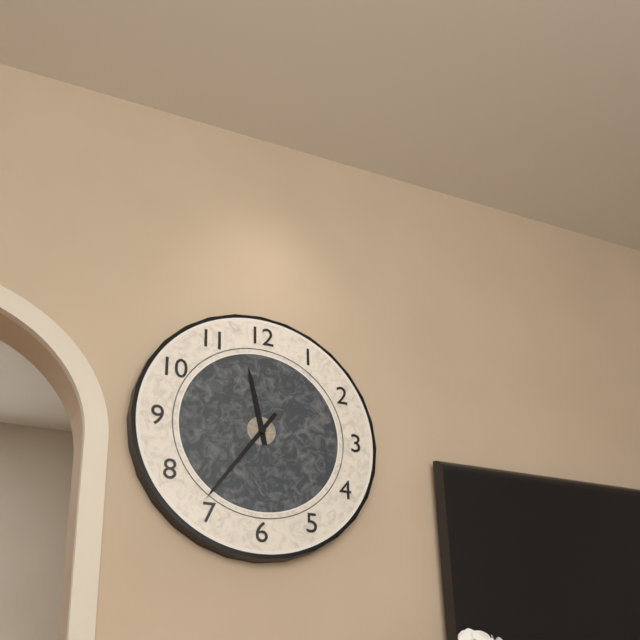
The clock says **11:36**
